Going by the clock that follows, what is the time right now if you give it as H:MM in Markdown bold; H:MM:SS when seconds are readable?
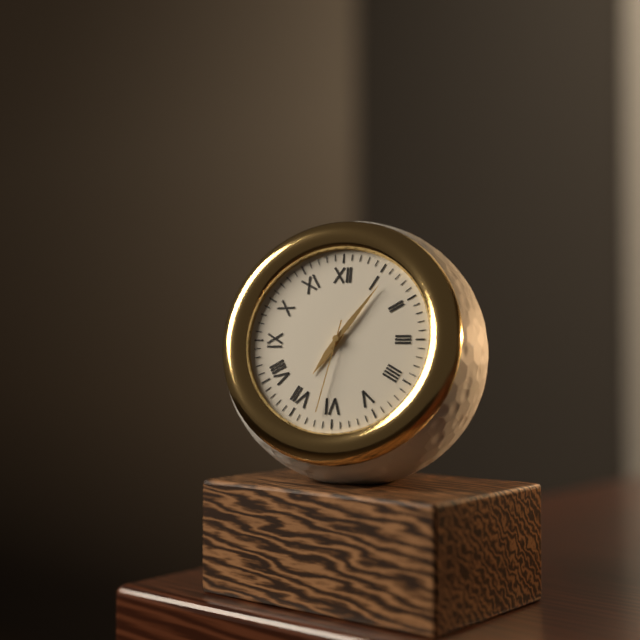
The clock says **7:06:32**
